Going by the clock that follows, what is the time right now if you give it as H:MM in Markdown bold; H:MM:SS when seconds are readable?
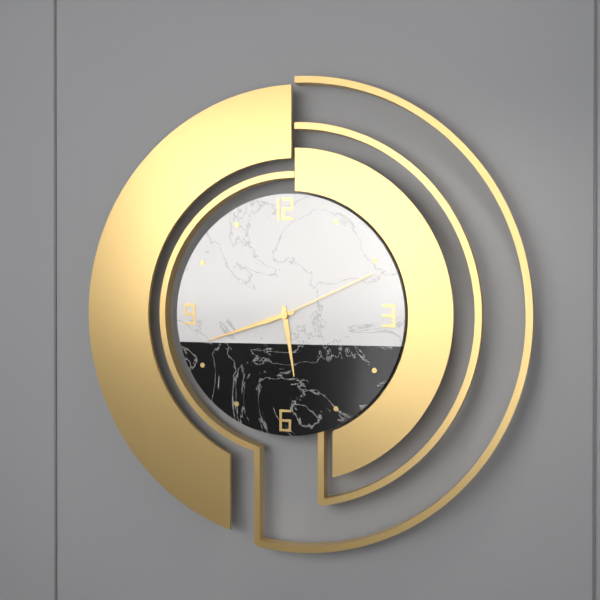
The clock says **5:42:11**
